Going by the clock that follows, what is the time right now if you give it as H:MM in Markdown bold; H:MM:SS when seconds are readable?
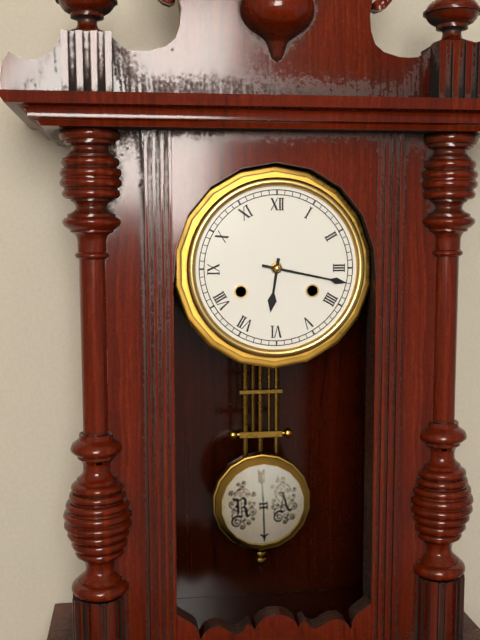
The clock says **6:17**
